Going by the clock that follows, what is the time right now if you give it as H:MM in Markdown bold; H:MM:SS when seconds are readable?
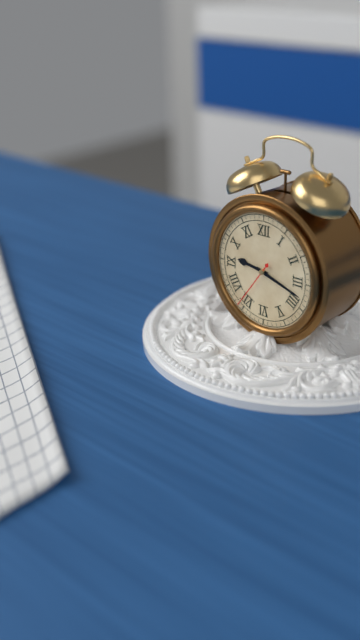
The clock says **9:18:36**
